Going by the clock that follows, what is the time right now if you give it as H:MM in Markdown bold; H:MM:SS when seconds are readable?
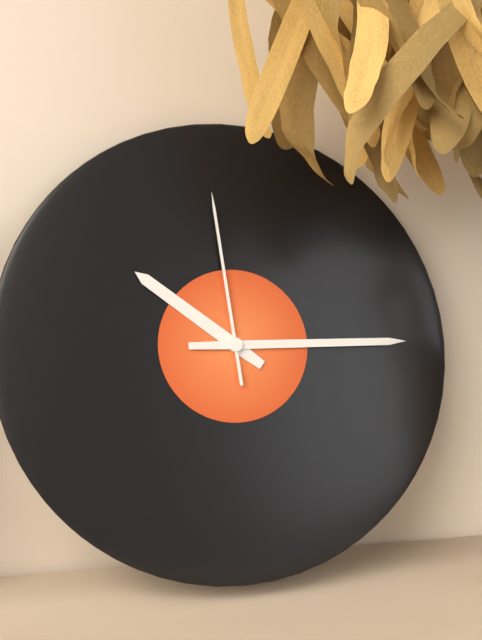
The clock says **10:15:59**
